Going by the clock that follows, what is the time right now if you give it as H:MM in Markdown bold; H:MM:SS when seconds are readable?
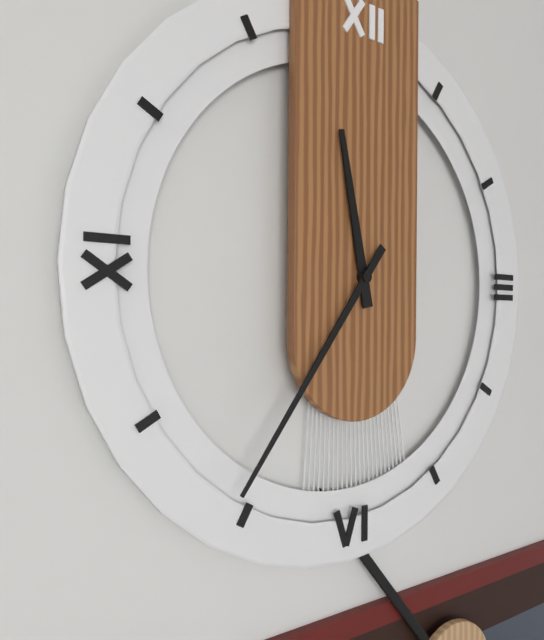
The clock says **11:36**
